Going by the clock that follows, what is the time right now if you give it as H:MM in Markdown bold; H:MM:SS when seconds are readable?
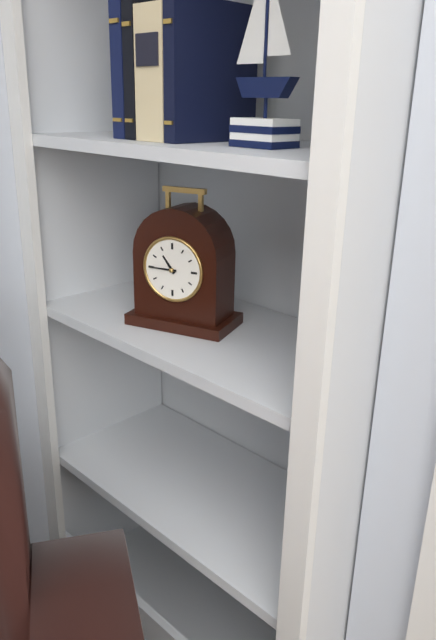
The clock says **10:45**
